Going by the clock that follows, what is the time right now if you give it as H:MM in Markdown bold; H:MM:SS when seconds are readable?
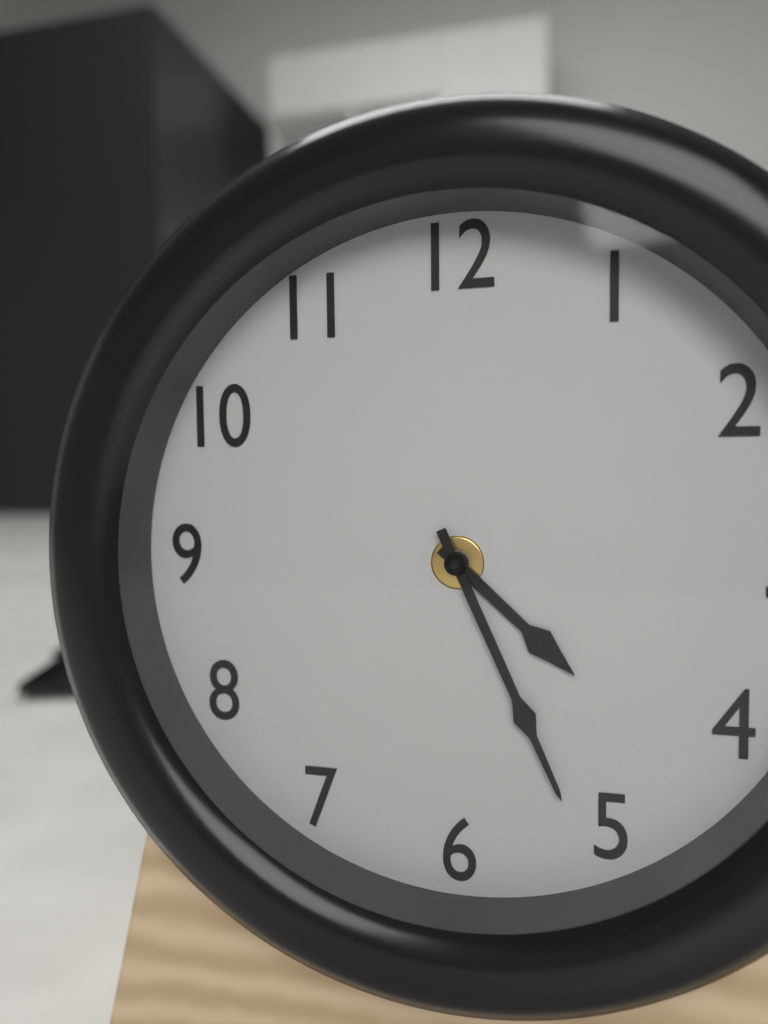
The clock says **4:26**
